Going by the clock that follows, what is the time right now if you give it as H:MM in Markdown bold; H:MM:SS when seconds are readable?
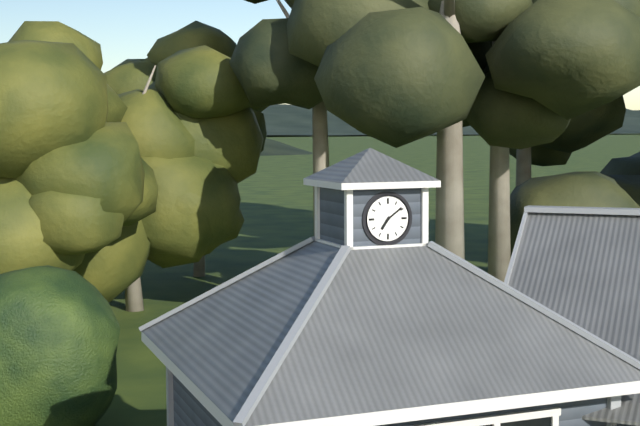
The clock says **7:09**
